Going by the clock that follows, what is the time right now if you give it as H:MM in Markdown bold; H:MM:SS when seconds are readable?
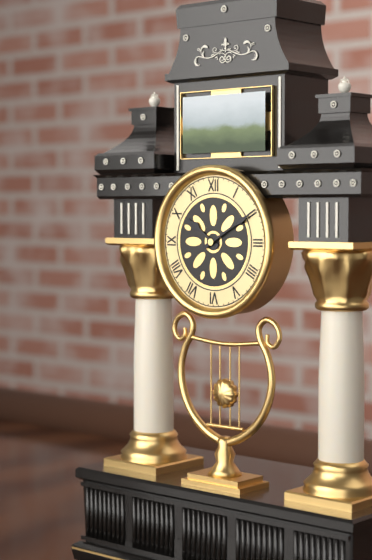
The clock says **10:10**
